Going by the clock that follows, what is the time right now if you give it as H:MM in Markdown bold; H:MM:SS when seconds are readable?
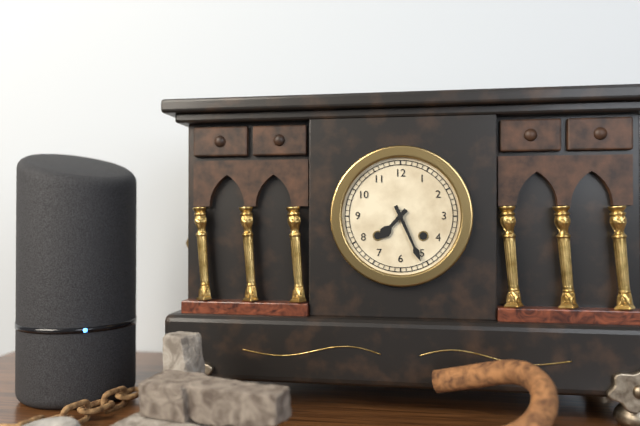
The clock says **7:26**
